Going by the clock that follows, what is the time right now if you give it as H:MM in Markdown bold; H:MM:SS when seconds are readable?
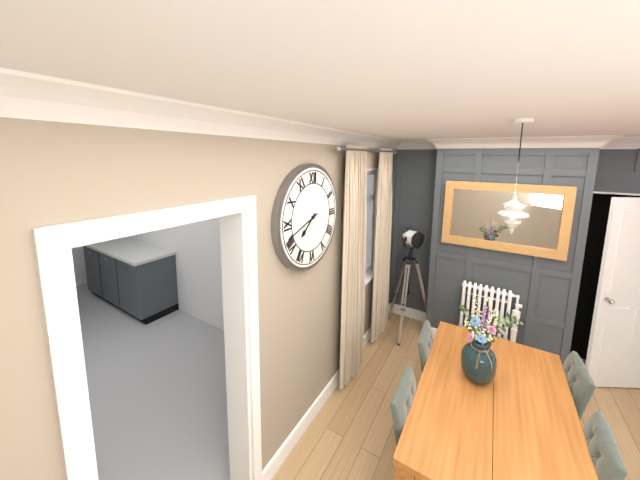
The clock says **7:42**
